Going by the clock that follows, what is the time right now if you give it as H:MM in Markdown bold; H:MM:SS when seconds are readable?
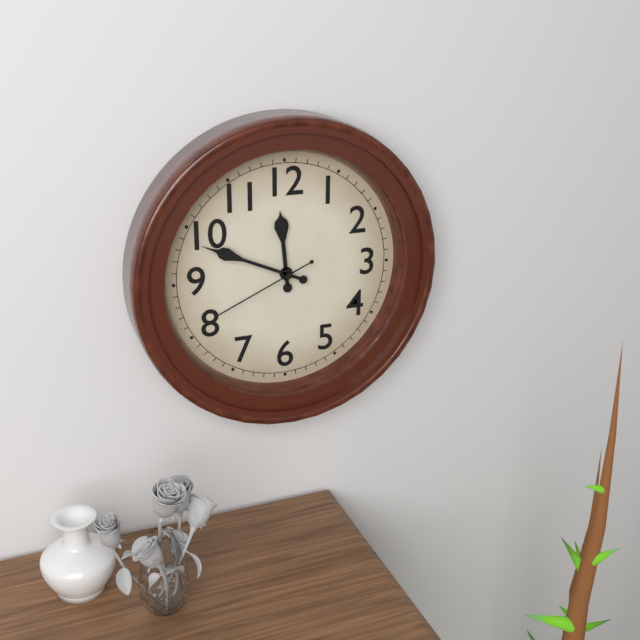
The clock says **11:49:41**
